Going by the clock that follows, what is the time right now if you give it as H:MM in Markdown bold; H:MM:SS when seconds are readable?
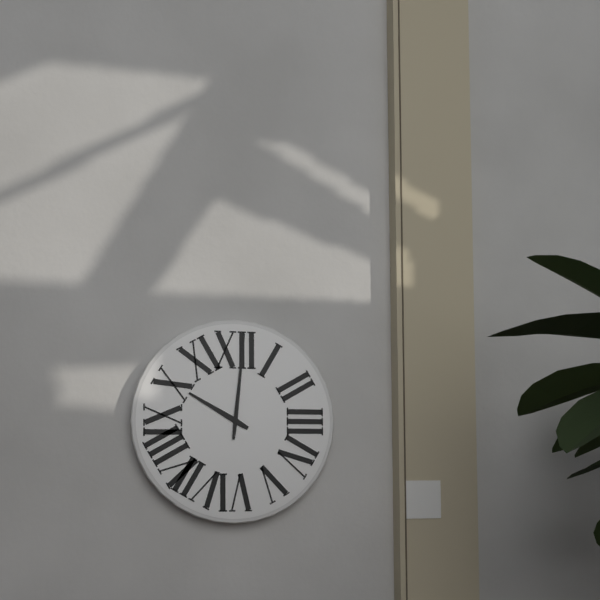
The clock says **10:01**
